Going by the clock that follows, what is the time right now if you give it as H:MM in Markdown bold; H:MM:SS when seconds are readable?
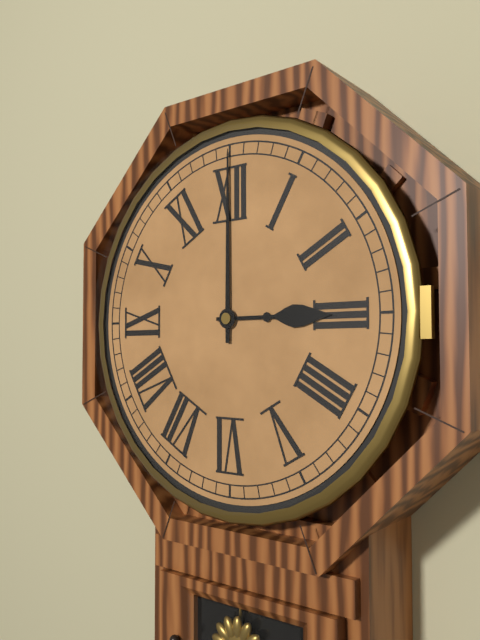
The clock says **3:00**
